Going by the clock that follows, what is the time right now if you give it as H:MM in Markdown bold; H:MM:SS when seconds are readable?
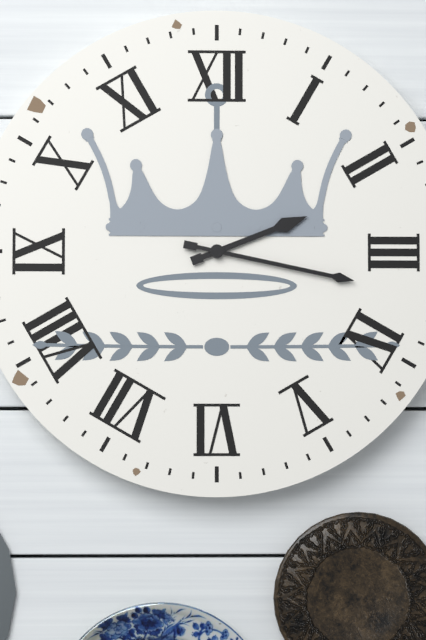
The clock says **2:17**
